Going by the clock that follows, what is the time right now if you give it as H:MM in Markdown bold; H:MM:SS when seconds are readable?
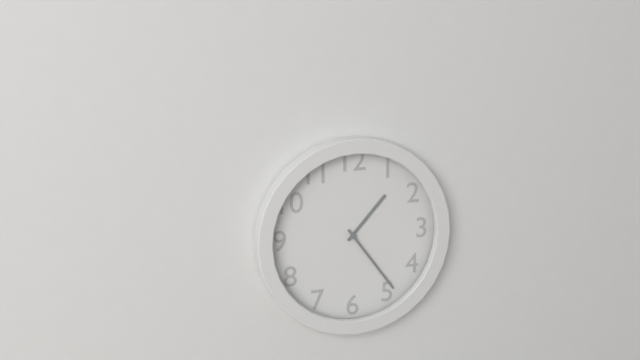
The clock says **1:24**
